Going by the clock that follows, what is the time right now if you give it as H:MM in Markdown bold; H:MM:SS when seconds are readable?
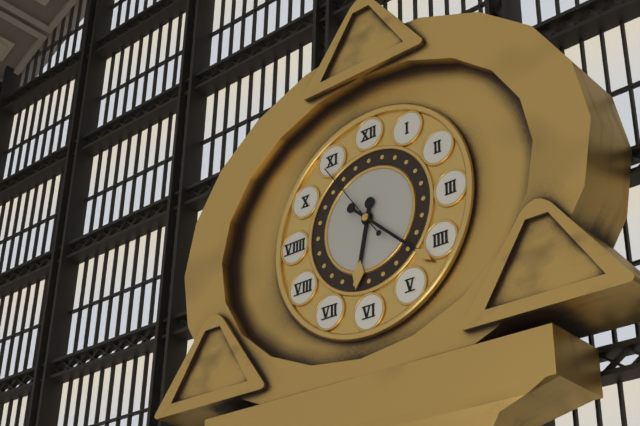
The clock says **6:22:54**
